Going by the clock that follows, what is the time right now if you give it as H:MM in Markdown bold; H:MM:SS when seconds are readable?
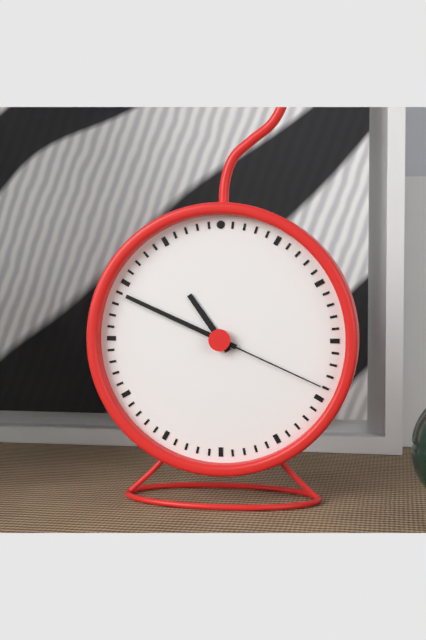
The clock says **10:49:19**
